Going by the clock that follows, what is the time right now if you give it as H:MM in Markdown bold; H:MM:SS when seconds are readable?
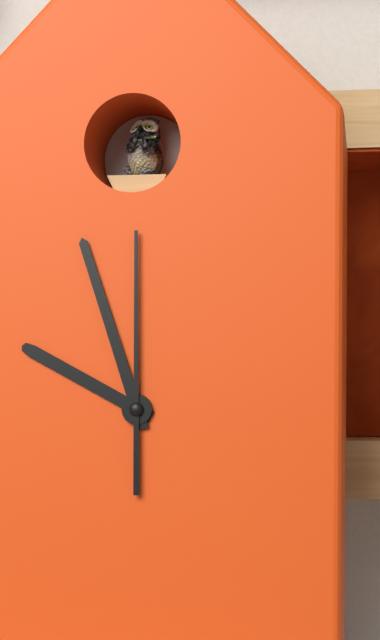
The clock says **9:57:00**
